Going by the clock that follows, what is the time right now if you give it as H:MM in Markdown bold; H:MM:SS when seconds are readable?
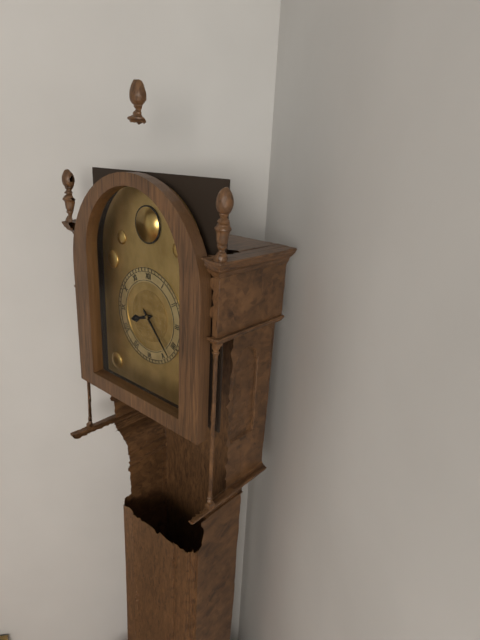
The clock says **8:23**
